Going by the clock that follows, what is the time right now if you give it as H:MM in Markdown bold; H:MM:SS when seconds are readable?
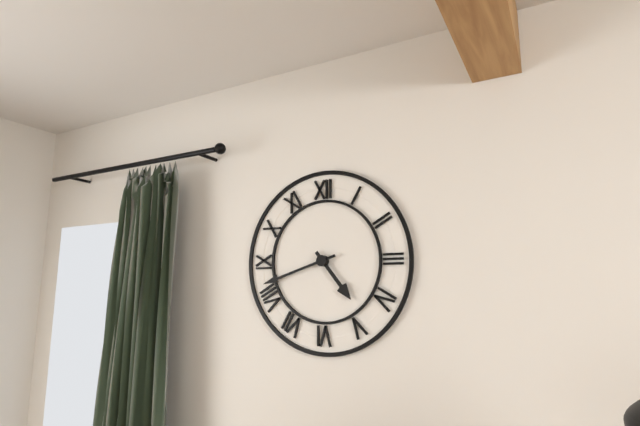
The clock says **4:42**
